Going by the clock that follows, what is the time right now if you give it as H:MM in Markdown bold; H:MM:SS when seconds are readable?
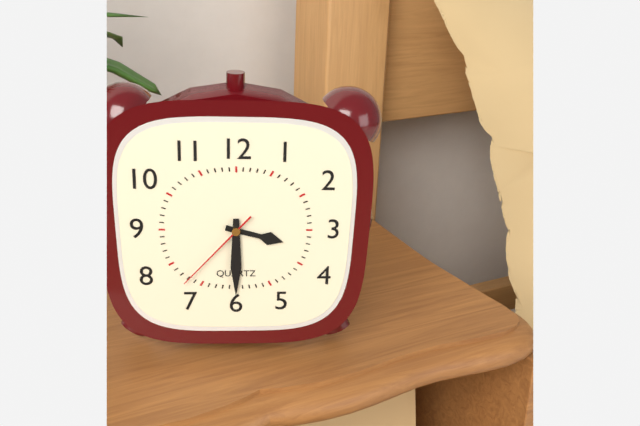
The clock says **3:30:37**
